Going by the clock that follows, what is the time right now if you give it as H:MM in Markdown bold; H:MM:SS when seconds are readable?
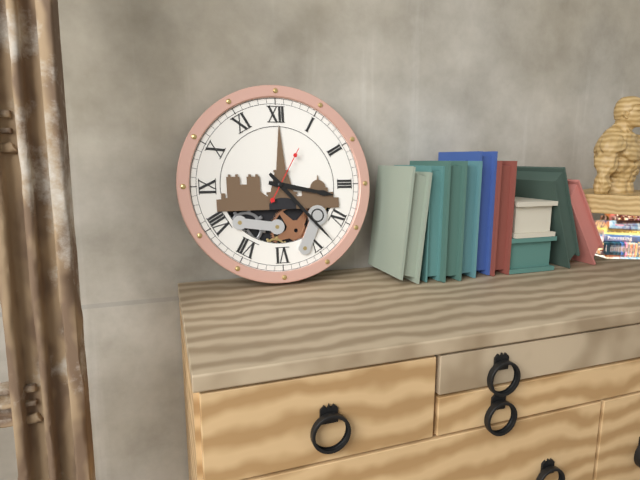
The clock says **3:23:05**
